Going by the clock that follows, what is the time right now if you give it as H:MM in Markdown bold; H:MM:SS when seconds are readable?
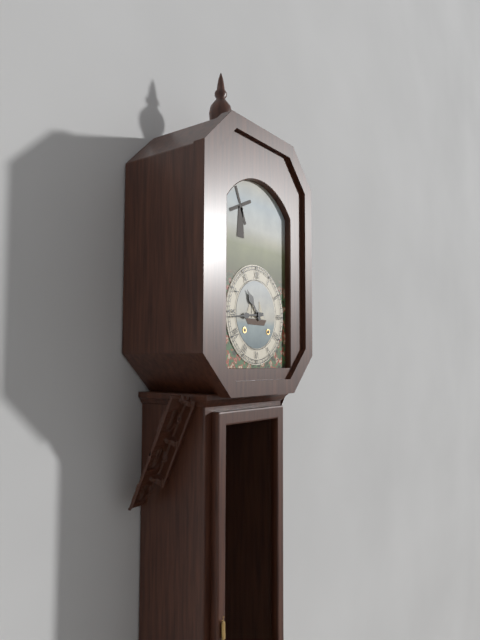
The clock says **10:44**
